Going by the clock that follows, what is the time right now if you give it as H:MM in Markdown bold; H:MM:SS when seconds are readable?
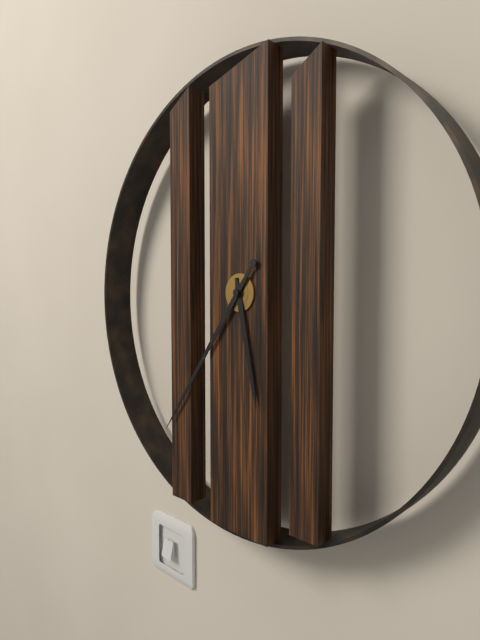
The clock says **5:36**
